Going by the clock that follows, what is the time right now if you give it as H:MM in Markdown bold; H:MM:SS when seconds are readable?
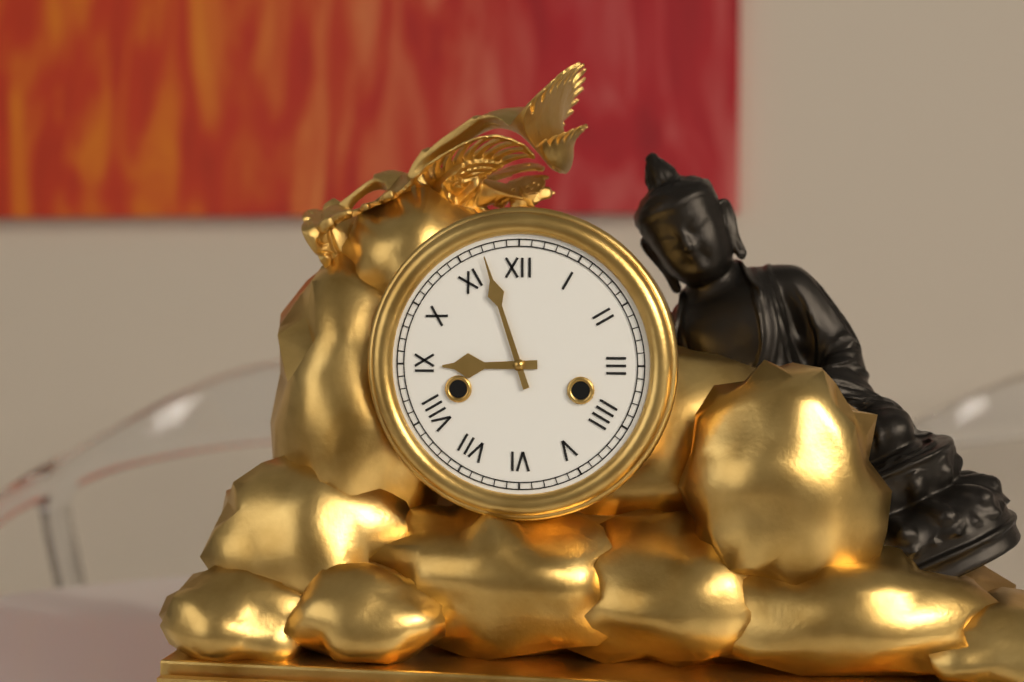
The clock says **8:57**
